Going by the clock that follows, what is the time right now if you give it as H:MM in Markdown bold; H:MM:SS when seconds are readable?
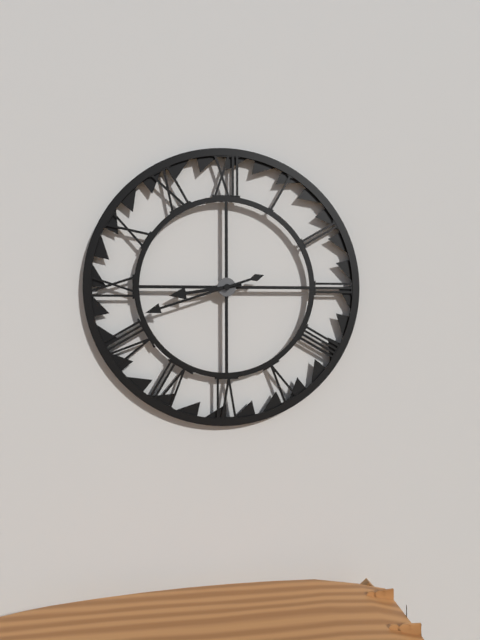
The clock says **8:42**
